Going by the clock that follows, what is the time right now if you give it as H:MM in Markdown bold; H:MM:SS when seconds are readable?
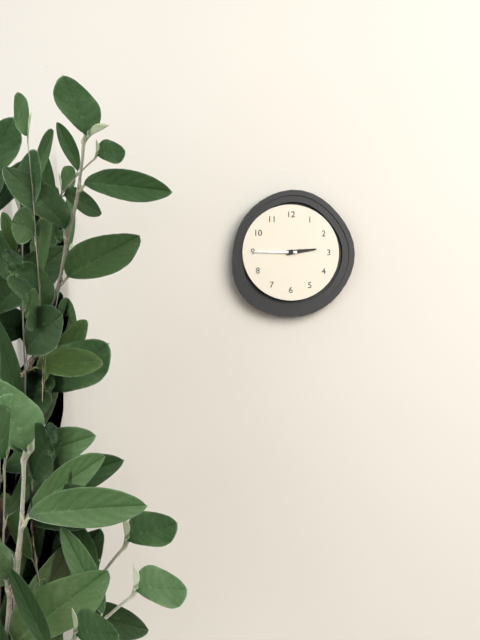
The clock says **2:45**
